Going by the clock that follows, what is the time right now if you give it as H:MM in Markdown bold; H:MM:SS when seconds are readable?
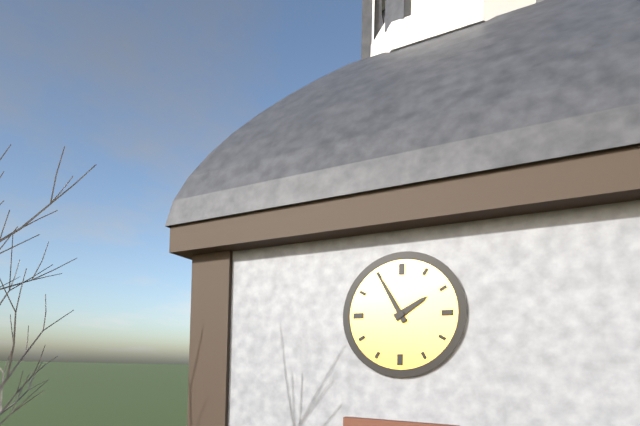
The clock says **1:55**
